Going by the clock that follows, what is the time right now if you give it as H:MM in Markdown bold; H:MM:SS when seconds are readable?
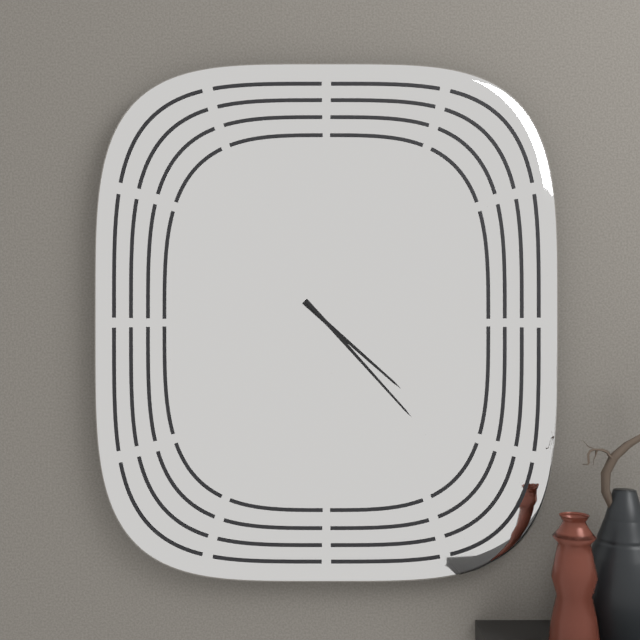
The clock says **4:23**
